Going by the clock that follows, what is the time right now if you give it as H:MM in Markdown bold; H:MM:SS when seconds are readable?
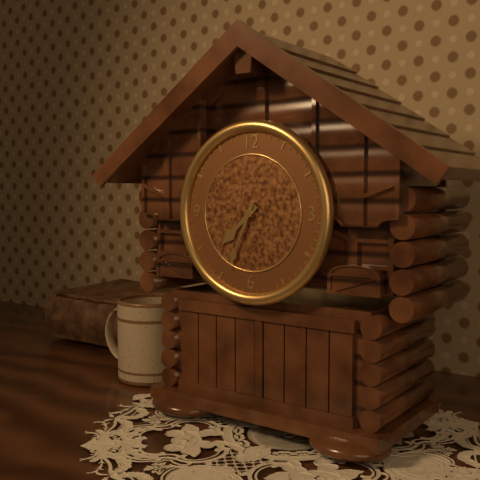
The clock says **7:34**
